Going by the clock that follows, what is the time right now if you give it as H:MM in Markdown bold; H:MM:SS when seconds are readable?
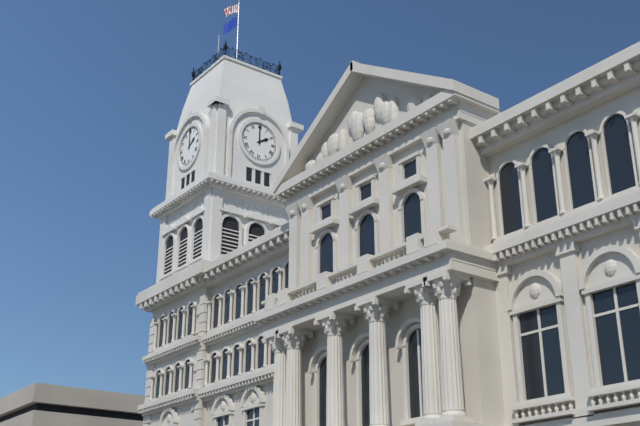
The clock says **2:00**
